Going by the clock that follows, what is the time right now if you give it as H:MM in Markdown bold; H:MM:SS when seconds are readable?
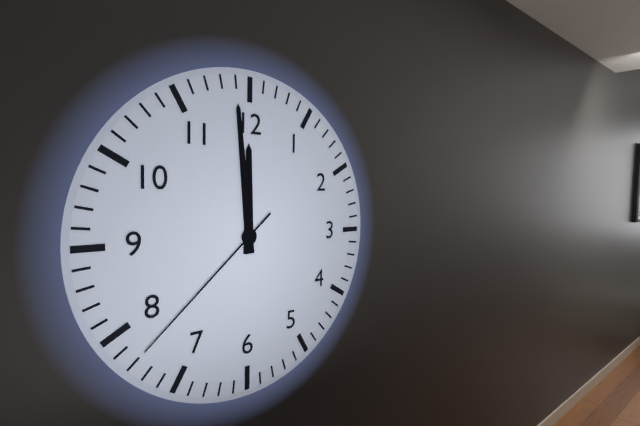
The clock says **11:59:38**
